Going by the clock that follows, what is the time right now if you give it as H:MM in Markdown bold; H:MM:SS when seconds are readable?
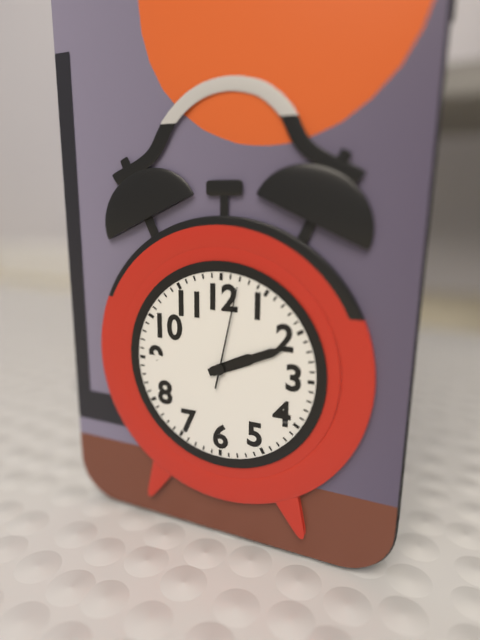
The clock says **2:11:02**
